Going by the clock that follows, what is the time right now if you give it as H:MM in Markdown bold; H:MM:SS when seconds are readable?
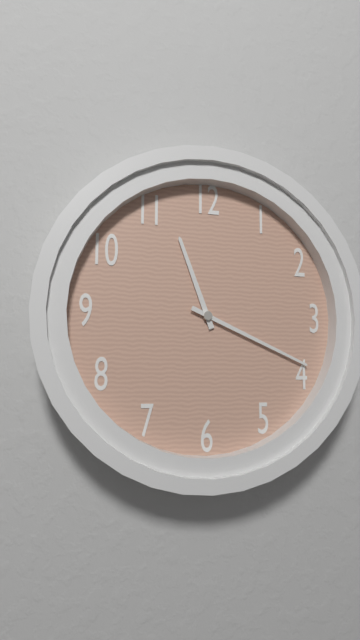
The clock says **11:19**
